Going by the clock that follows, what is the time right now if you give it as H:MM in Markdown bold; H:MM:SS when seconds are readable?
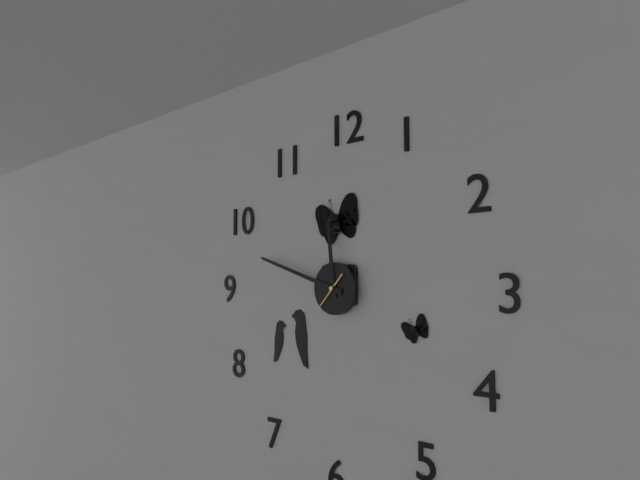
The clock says **11:48**
